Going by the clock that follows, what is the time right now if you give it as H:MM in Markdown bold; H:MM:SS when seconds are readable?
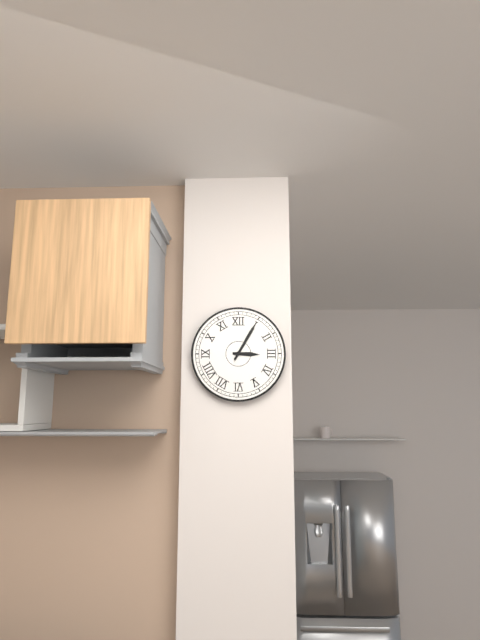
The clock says **3:05**
